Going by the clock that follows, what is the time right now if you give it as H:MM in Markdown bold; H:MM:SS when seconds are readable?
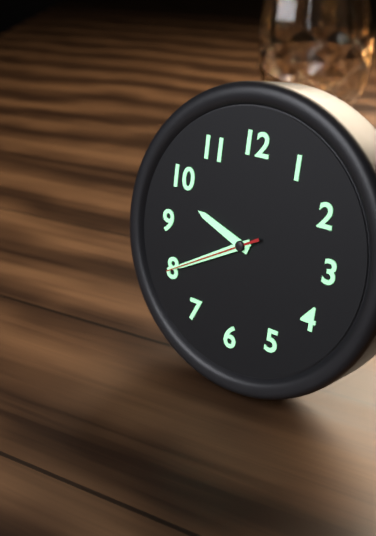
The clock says **9:40:40**
